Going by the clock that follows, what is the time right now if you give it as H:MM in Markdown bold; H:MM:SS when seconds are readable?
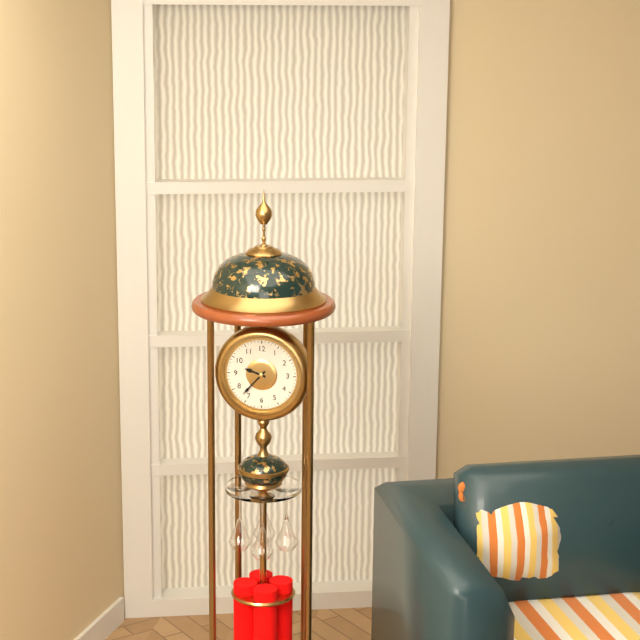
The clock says **9:37**
